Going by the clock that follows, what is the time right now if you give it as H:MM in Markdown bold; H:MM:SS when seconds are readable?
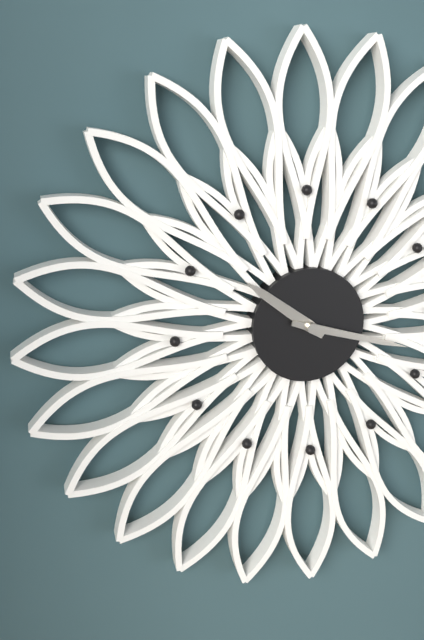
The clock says **10:18**
